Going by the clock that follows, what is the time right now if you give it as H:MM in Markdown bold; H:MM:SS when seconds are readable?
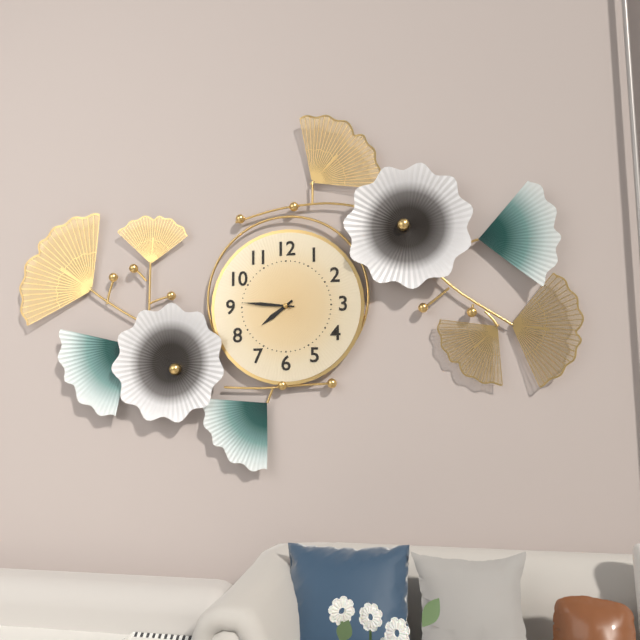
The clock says **7:46**
